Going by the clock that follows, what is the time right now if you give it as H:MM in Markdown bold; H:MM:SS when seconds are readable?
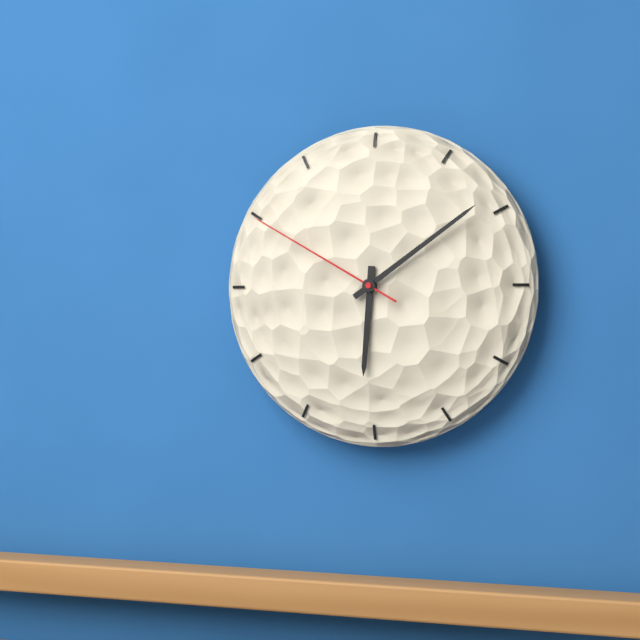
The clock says **6:09:50**
